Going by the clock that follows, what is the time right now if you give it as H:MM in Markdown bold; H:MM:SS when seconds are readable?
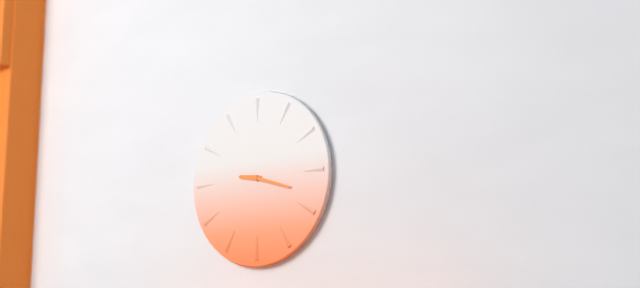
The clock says **9:18**
